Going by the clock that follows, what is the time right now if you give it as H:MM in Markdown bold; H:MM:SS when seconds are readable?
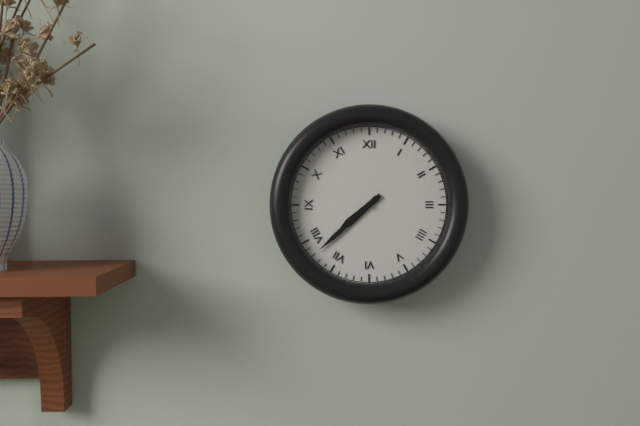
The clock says **7:38**
